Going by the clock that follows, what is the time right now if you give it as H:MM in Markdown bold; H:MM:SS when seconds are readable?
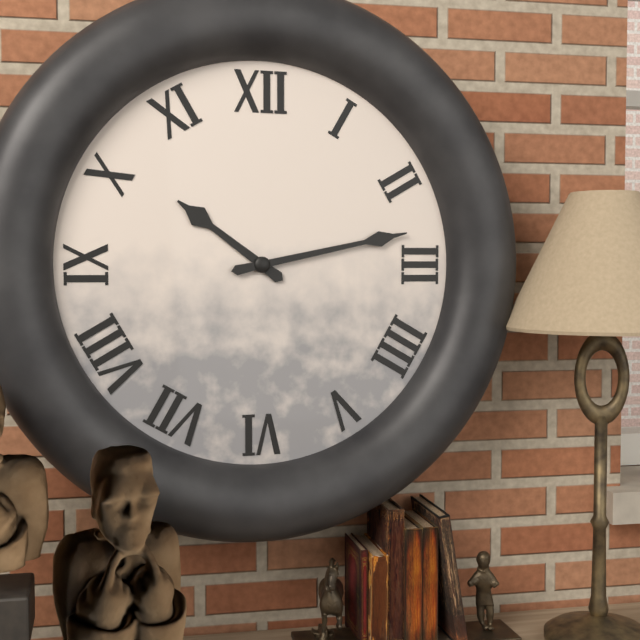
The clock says **10:13**
